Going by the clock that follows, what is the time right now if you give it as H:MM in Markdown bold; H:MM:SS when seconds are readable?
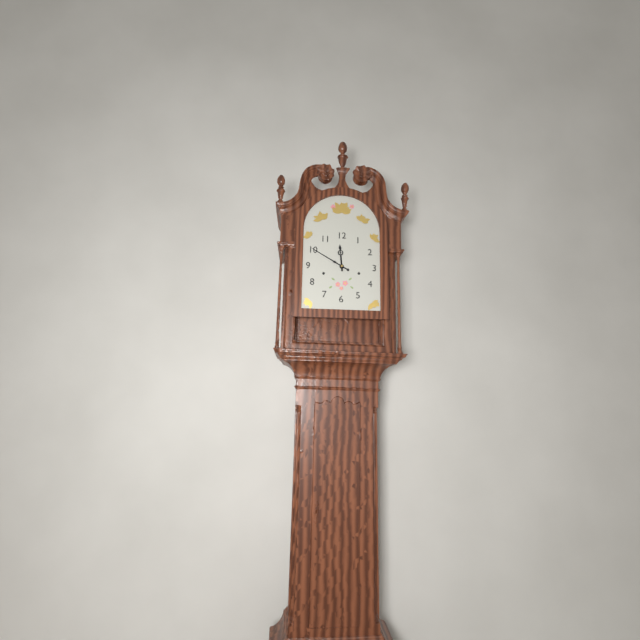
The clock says **11:50**
